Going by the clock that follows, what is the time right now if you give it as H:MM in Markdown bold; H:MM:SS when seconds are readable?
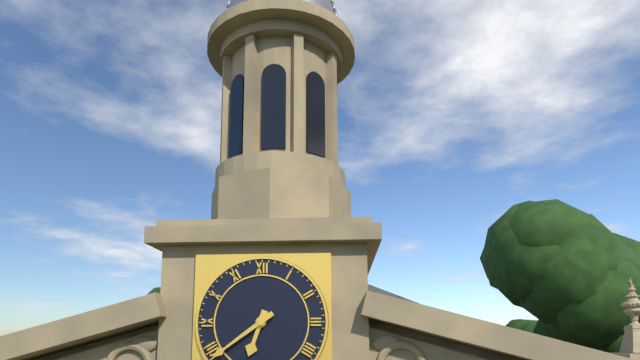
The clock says **6:39**
